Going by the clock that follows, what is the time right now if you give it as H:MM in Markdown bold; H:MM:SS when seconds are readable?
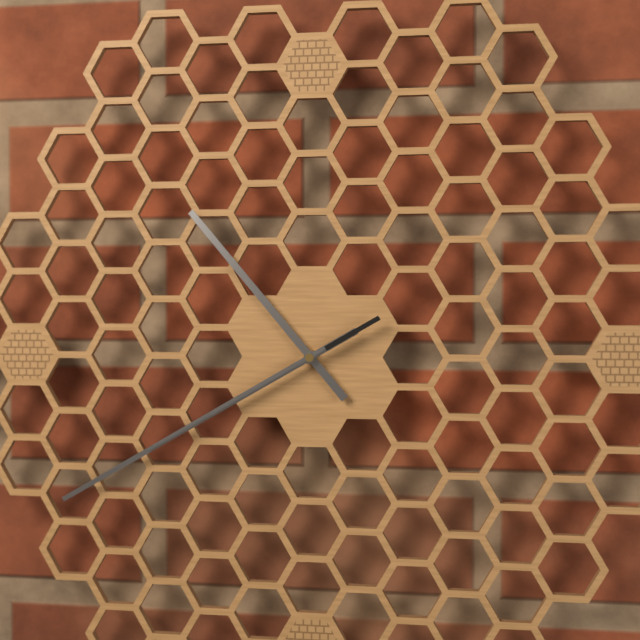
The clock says **10:40:40**
